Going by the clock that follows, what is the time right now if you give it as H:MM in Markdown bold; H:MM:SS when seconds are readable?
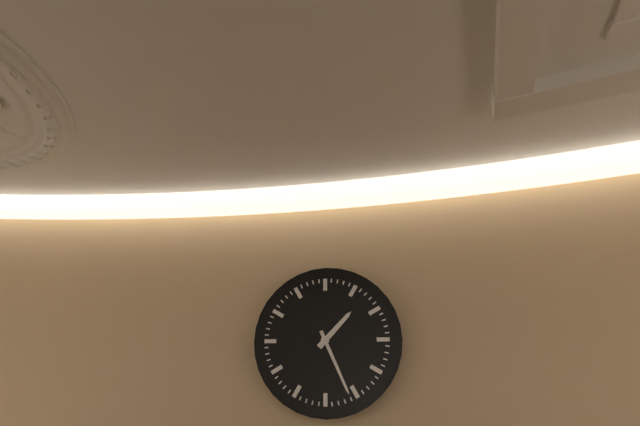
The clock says **1:26**
